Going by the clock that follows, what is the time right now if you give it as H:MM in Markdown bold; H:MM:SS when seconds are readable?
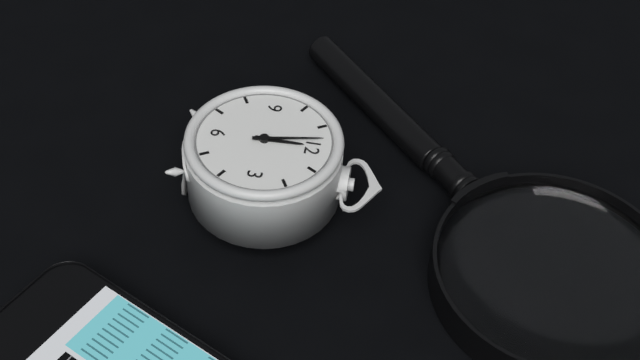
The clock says **11:58**
